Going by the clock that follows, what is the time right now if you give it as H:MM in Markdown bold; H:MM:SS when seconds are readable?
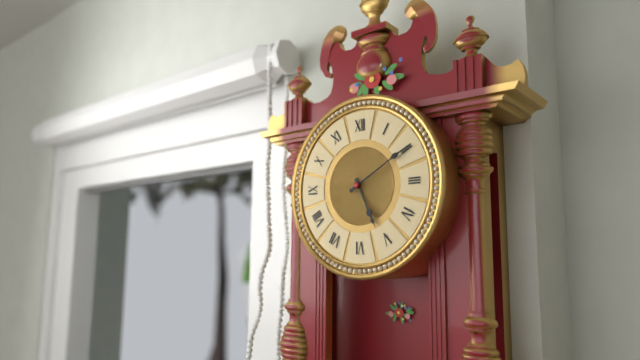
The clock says **5:10**
